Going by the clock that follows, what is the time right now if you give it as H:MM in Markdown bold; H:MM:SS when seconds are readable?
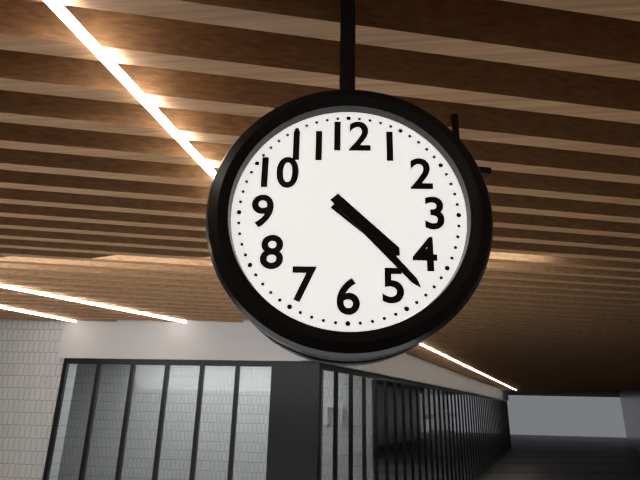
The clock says **4:23**
